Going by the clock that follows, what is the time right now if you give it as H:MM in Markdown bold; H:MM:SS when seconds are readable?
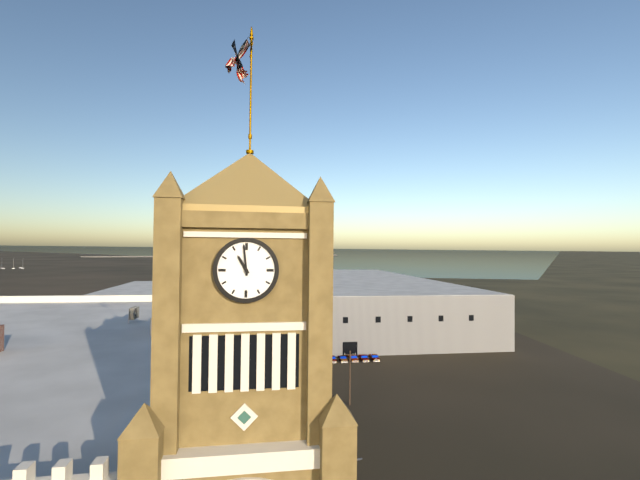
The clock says **10:59**
